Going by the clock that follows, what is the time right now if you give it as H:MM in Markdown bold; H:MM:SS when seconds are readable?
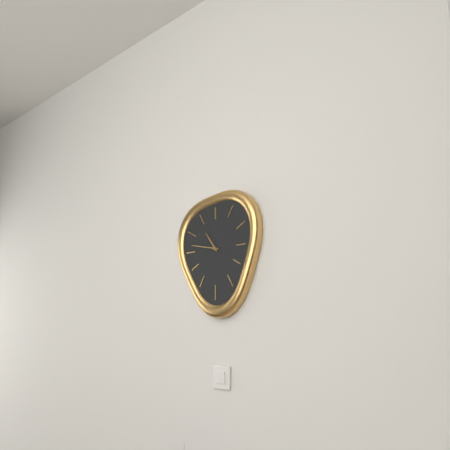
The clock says **10:47**
